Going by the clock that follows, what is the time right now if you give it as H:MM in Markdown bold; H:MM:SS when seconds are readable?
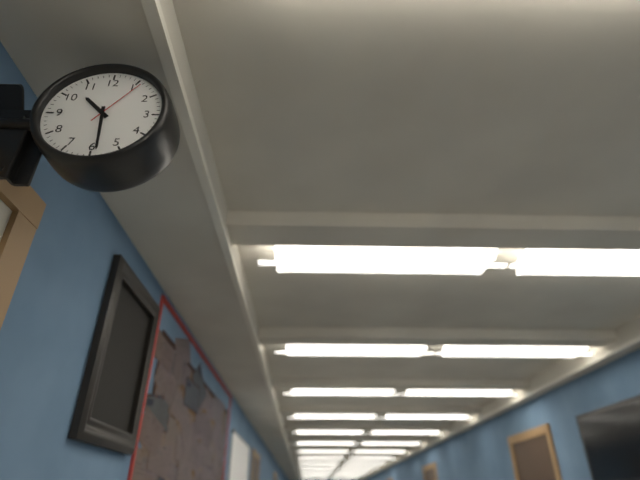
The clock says **10:29:06**
